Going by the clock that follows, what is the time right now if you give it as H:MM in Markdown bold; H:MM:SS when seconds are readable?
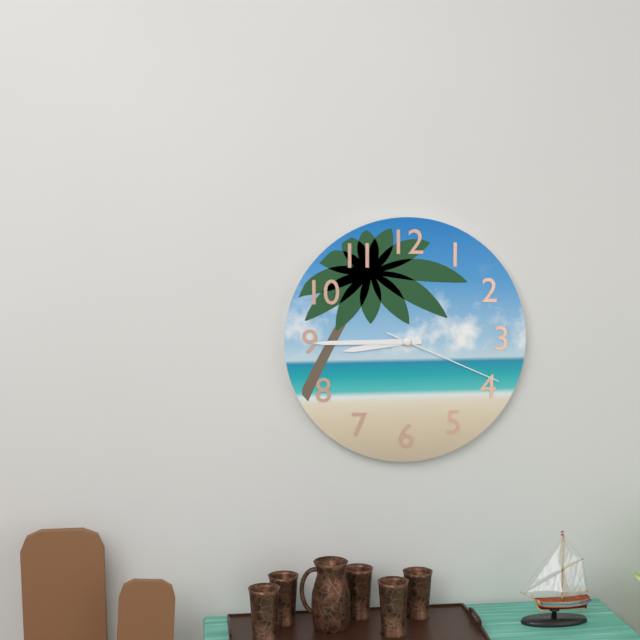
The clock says **8:45:19**
